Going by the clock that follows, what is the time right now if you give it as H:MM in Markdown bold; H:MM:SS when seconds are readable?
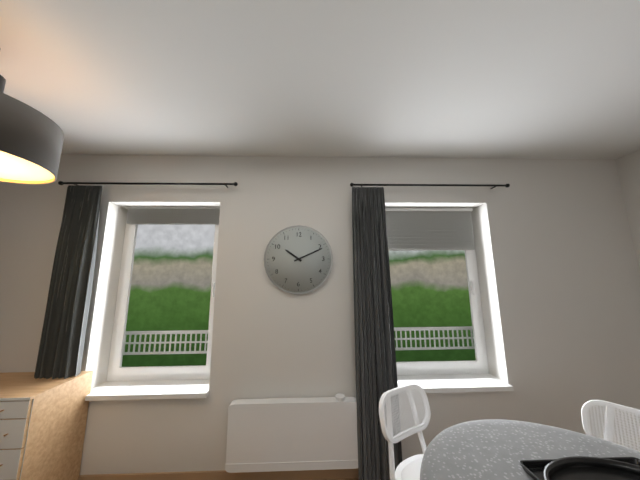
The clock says **10:11**
